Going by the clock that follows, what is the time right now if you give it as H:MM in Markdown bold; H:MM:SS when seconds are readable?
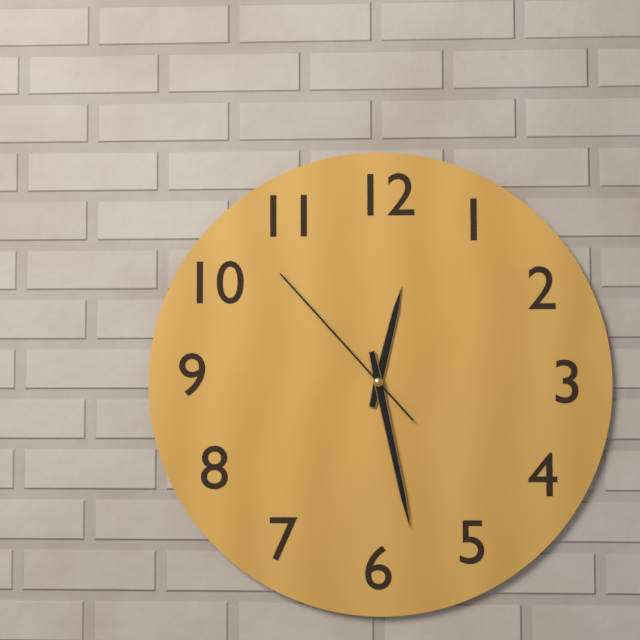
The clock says **12:28:53**
